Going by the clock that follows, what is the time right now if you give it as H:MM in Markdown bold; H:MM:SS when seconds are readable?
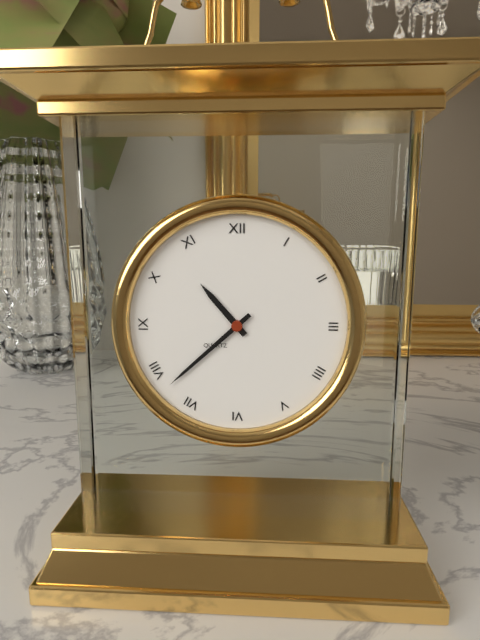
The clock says **10:38**
